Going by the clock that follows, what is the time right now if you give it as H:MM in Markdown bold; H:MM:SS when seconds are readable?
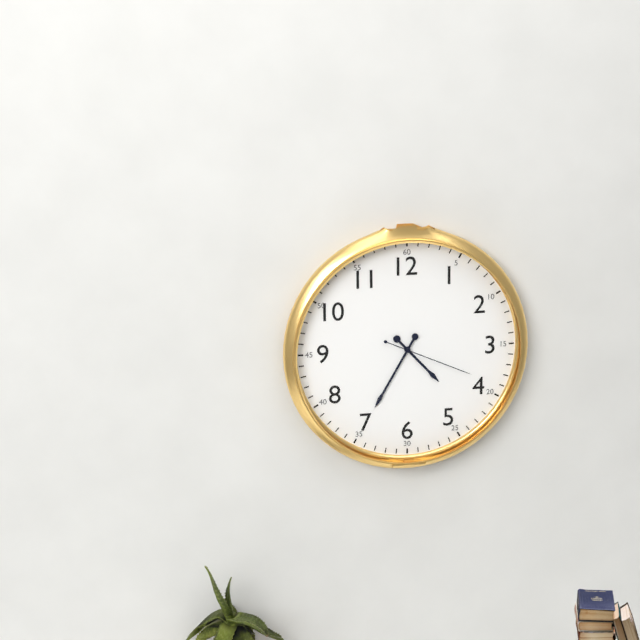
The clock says **4:35:19**
